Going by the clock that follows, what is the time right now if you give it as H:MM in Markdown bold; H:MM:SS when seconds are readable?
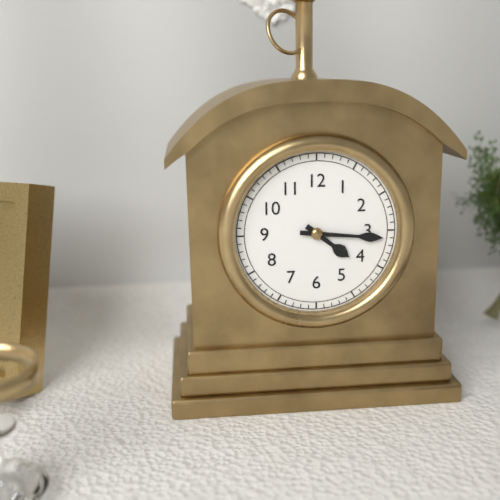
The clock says **4:16**
